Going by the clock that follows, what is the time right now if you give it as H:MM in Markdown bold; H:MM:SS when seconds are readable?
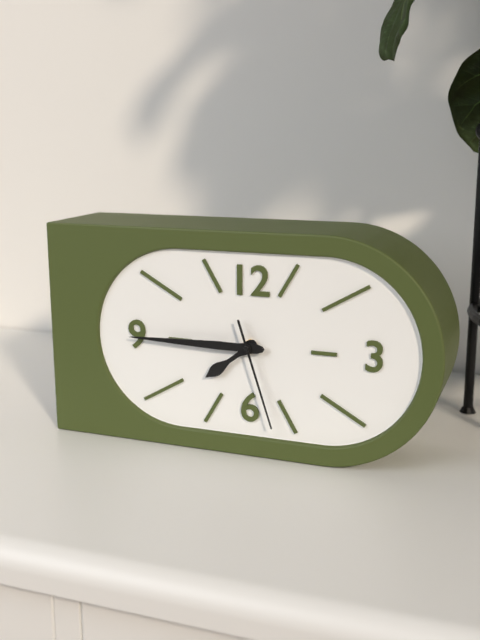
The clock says **7:45:27**
